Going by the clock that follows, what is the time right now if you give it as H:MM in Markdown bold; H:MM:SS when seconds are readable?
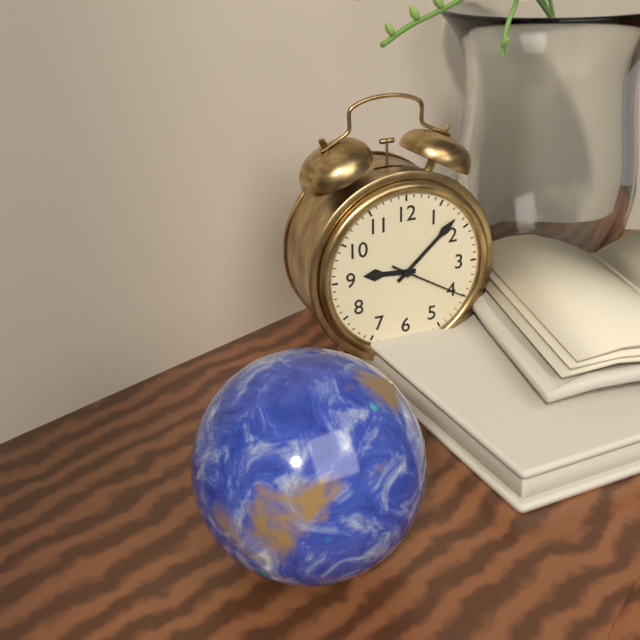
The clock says **9:08:20**
